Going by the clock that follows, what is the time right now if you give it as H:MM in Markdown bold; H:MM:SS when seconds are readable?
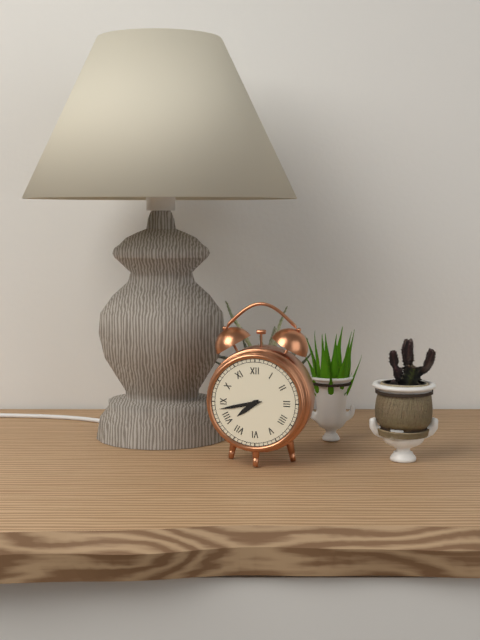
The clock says **7:43**
